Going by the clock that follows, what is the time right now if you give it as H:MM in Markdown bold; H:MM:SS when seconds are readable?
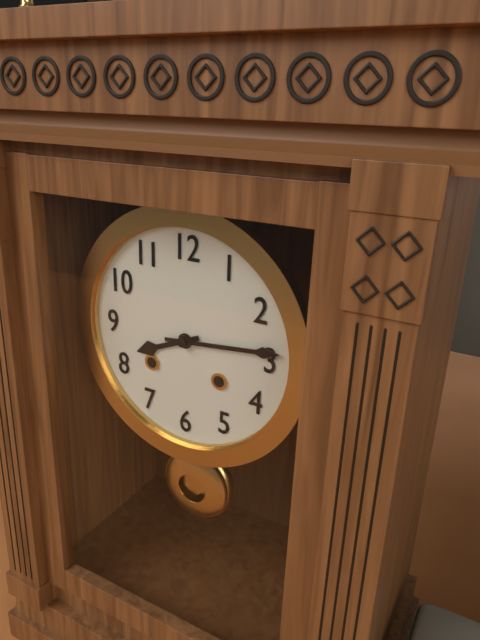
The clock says **8:14**
